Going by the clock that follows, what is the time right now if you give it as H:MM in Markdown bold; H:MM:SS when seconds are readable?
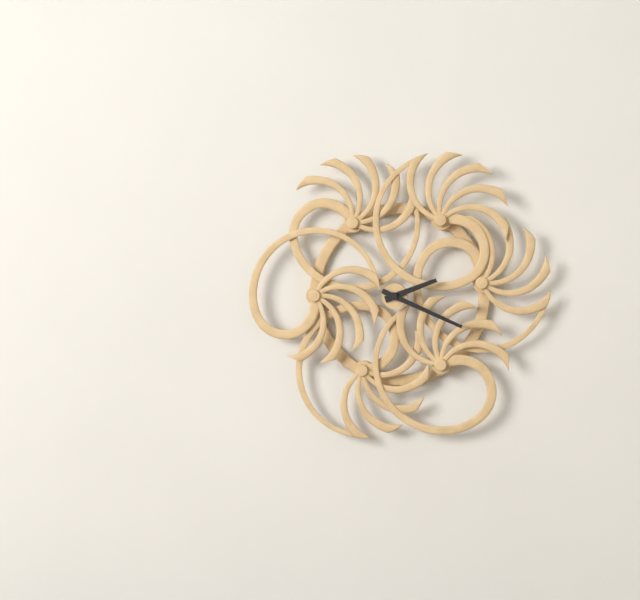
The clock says **2:19**
